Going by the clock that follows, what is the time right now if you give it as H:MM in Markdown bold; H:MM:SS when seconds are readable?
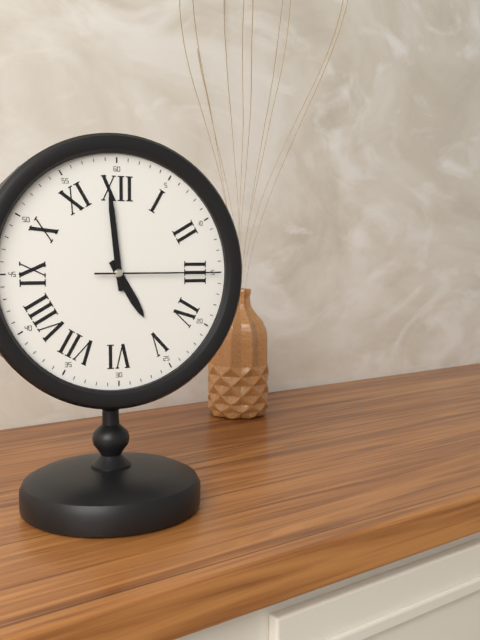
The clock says **4:59:15**
